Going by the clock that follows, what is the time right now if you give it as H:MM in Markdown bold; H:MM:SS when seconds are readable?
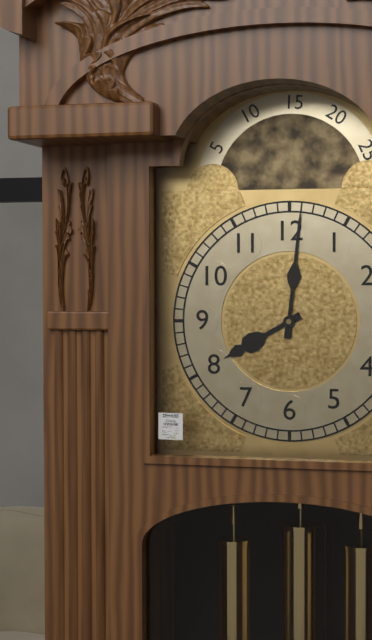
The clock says **8:01**
